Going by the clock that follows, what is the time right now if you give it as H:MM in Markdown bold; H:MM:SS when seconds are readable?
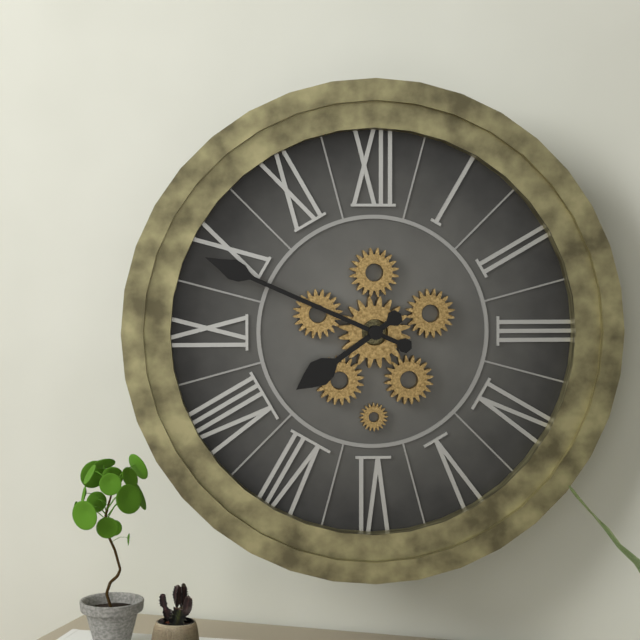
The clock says **7:49**
